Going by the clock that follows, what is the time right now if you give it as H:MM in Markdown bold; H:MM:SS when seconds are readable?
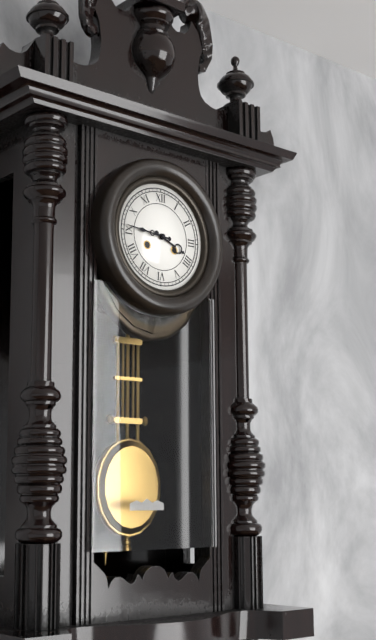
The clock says **3:46**
